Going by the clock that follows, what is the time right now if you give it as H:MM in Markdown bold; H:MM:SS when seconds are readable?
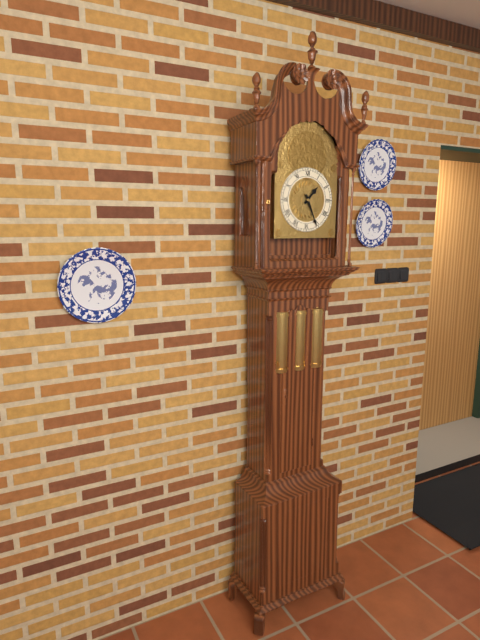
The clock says **1:26**
